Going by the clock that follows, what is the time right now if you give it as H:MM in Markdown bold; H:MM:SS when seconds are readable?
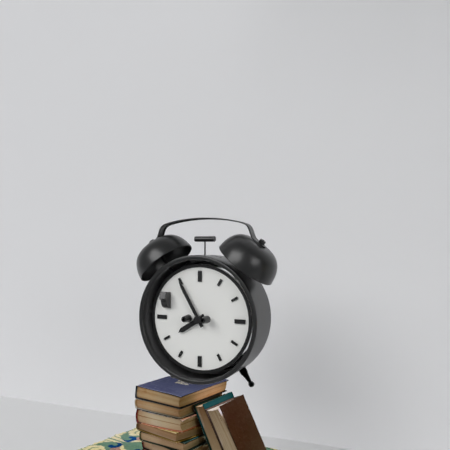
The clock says **7:55**
